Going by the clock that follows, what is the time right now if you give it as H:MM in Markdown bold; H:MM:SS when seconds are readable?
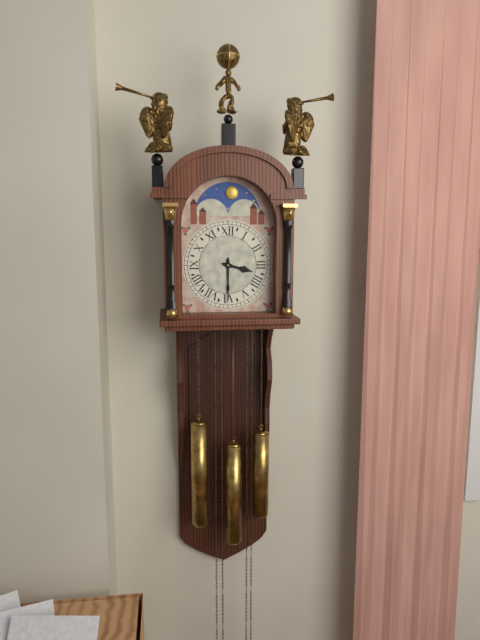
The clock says **3:30**
